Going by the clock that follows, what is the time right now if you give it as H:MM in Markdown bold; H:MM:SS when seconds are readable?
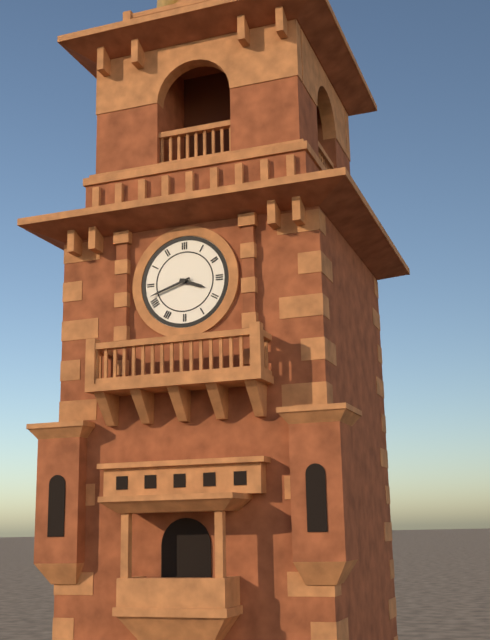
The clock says **3:42**
